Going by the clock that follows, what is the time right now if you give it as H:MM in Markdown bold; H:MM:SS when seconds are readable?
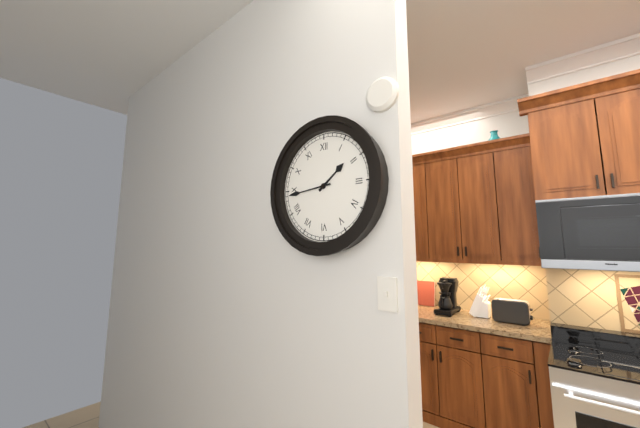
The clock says **1:44**
